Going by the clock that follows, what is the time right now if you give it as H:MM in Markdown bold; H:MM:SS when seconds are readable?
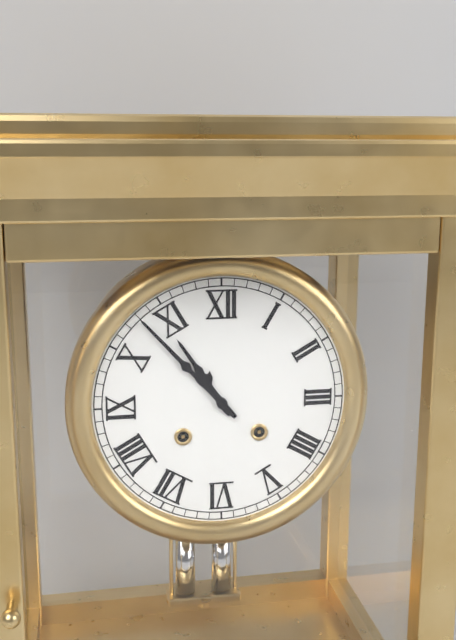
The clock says **10:53**
